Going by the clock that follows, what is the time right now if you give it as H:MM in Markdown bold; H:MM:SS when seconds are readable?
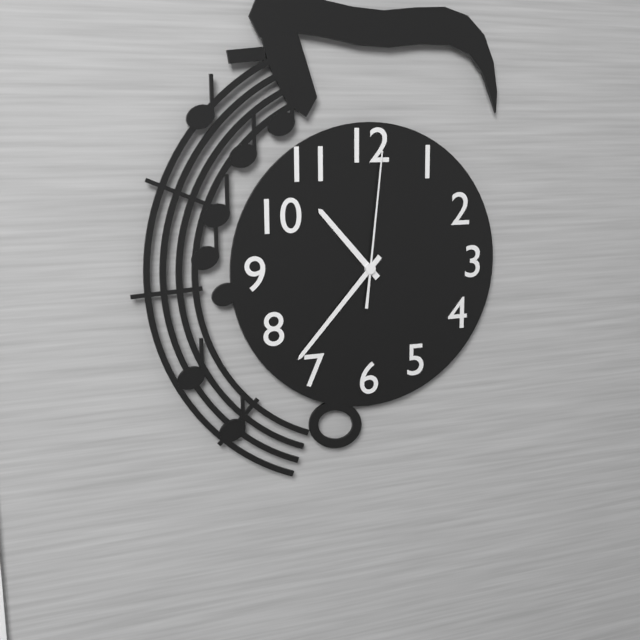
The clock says **10:37:01**
